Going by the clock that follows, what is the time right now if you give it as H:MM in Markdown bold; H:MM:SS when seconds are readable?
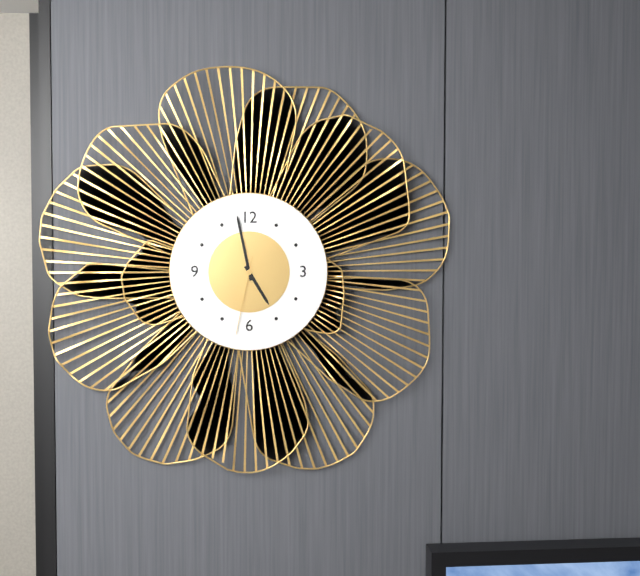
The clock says **4:58:32**
